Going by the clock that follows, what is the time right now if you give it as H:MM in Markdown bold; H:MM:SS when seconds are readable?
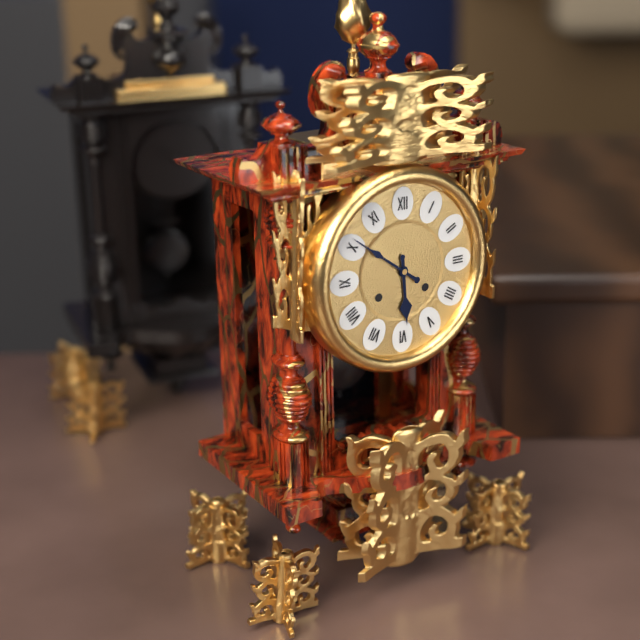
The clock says **5:51**
